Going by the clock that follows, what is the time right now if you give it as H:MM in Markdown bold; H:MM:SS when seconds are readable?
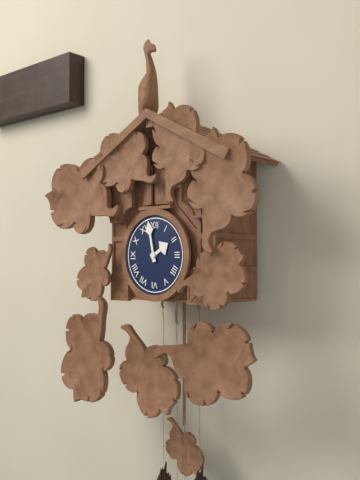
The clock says **1:58**
